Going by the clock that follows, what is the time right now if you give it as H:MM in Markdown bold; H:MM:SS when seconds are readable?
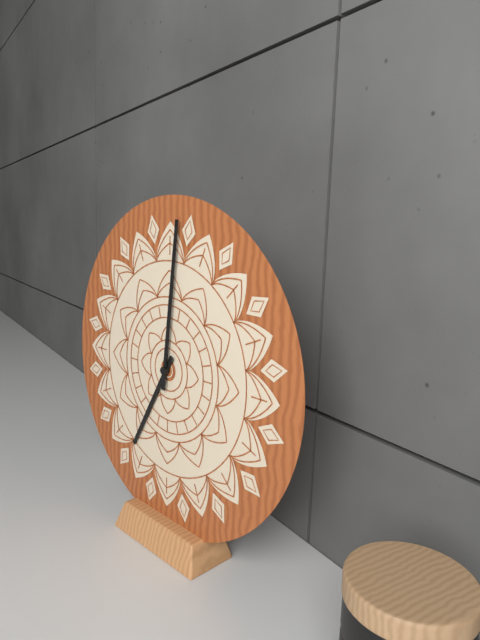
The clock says **7:01**
